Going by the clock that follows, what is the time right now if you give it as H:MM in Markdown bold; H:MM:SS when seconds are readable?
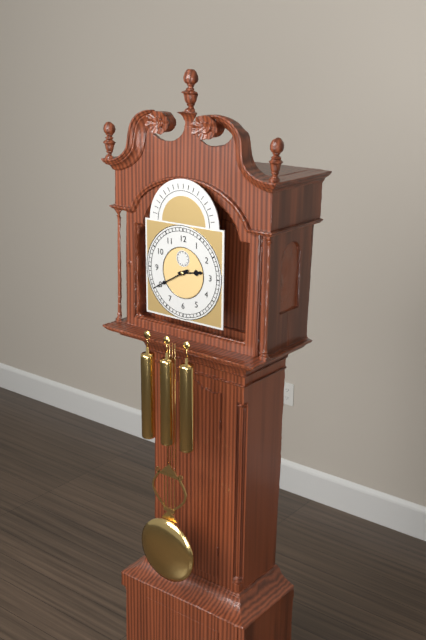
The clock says **2:40**
